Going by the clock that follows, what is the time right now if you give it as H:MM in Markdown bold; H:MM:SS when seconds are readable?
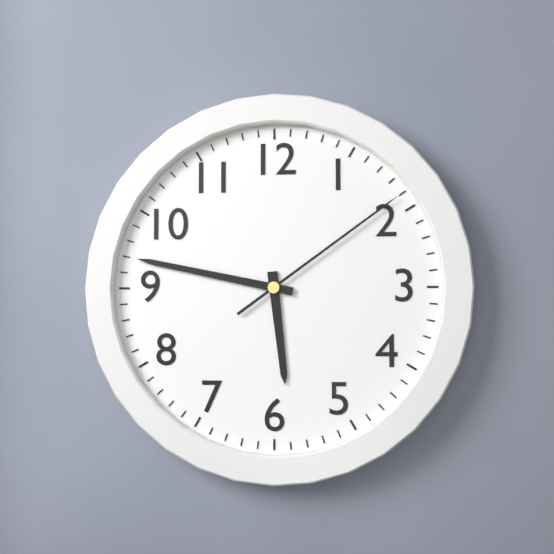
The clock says **5:47:09**
